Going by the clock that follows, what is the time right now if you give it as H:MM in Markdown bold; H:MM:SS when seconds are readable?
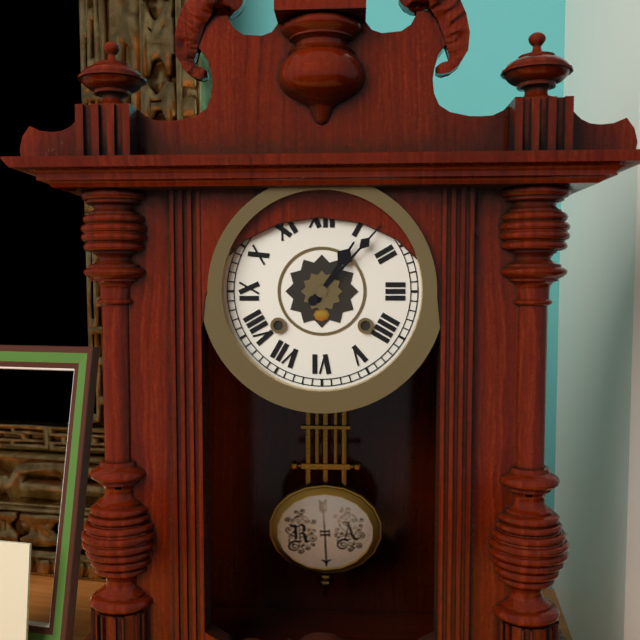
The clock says **1:07**
